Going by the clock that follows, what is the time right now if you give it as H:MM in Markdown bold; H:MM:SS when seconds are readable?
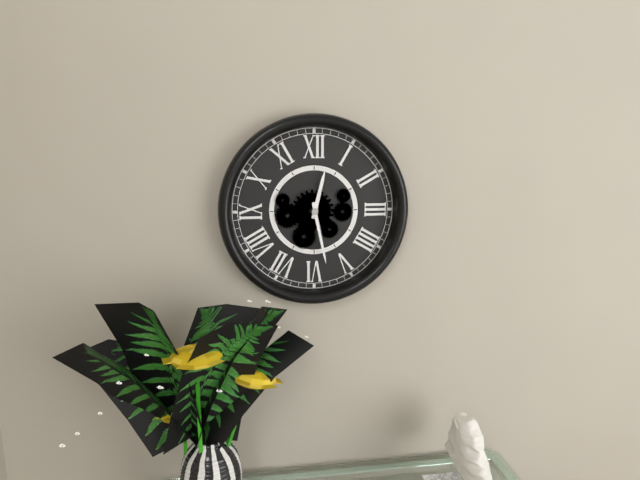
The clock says **12:28**
